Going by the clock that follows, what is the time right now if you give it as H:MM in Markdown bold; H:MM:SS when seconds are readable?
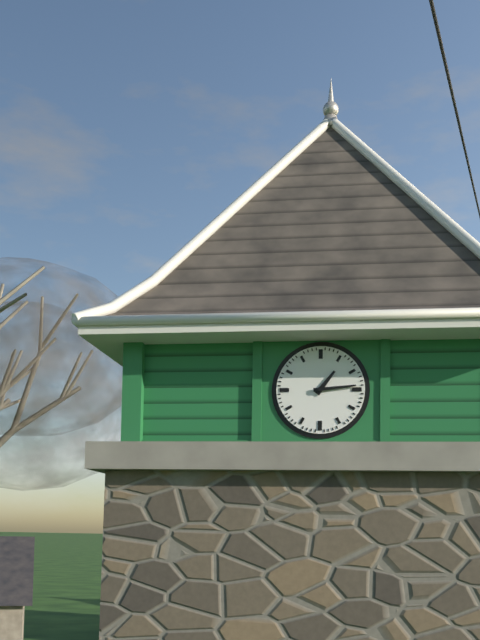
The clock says **1:14**
